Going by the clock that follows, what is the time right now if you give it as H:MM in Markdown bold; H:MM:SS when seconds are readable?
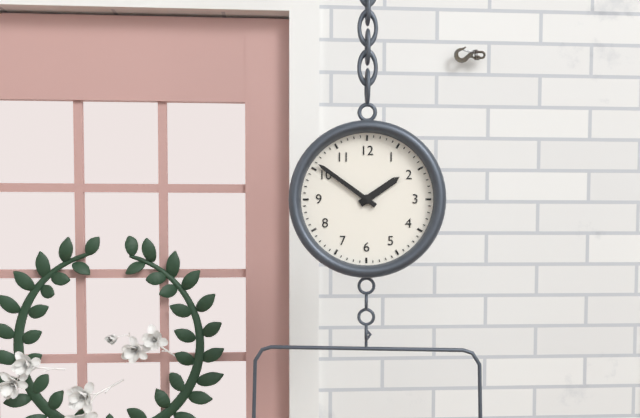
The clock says **1:51**
